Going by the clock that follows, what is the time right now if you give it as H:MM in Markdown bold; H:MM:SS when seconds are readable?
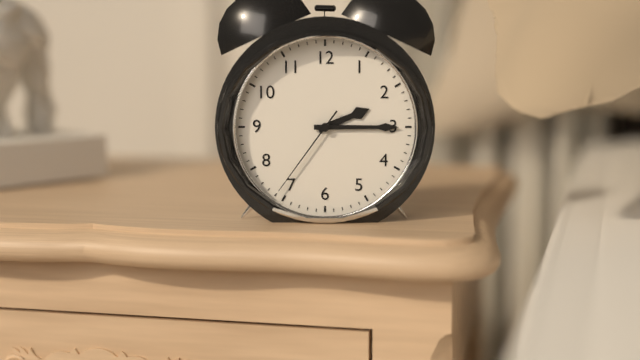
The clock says **2:15:36**
